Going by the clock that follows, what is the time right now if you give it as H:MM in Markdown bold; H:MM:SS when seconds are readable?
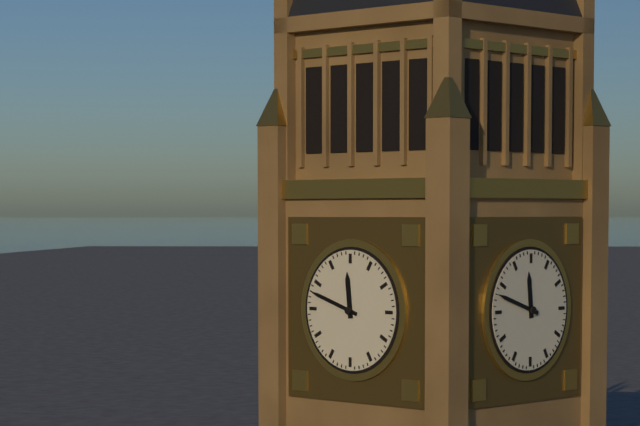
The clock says **11:48**
